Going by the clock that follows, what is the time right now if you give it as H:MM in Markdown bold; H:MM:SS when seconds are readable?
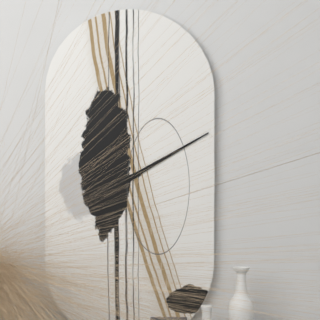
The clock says **8:10**
